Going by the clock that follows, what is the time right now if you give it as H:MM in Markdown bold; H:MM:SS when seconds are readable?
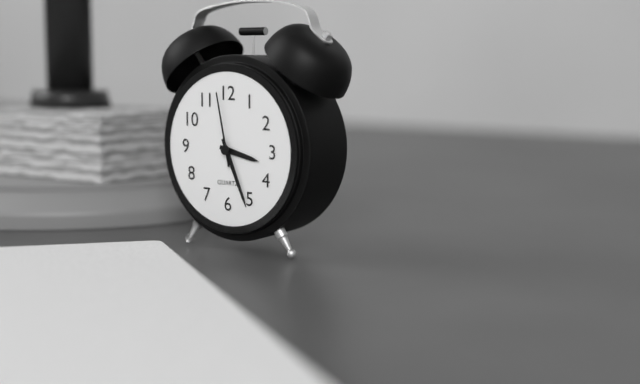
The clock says **3:26:58**
